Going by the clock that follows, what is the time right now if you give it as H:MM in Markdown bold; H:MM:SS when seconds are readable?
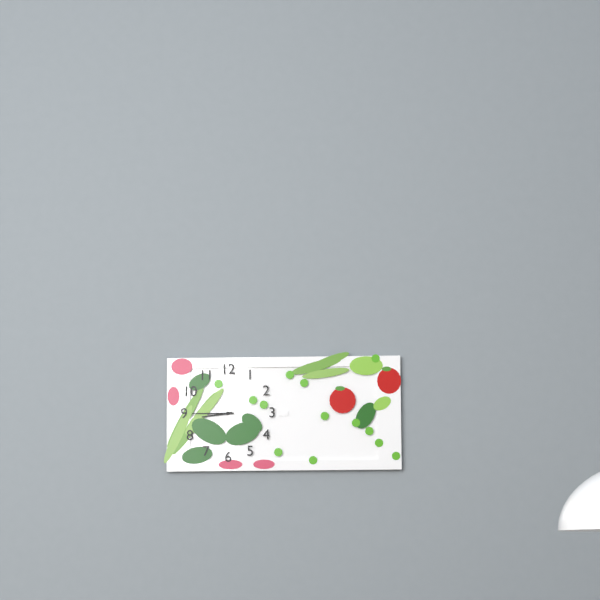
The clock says **8:45**
